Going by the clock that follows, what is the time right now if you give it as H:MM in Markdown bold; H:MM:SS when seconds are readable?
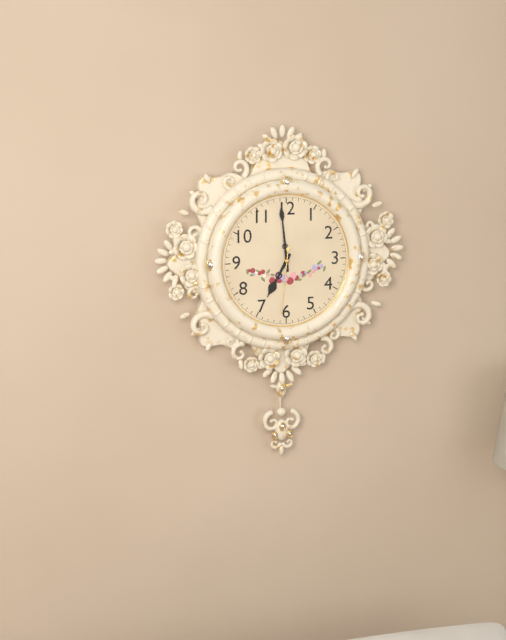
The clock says **6:59:31**
